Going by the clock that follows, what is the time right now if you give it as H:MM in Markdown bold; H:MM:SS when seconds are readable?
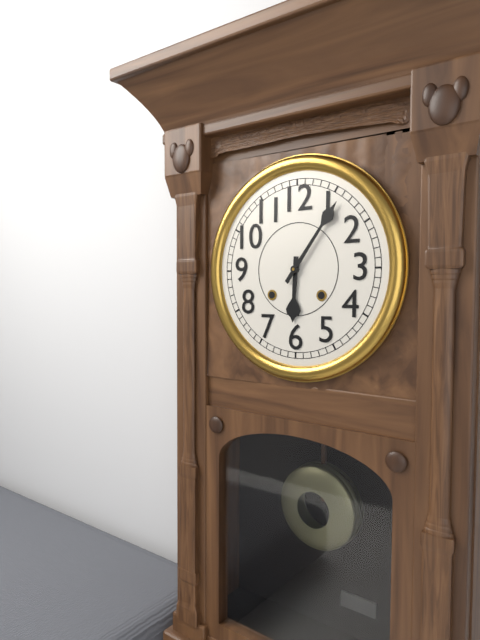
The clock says **6:06**
